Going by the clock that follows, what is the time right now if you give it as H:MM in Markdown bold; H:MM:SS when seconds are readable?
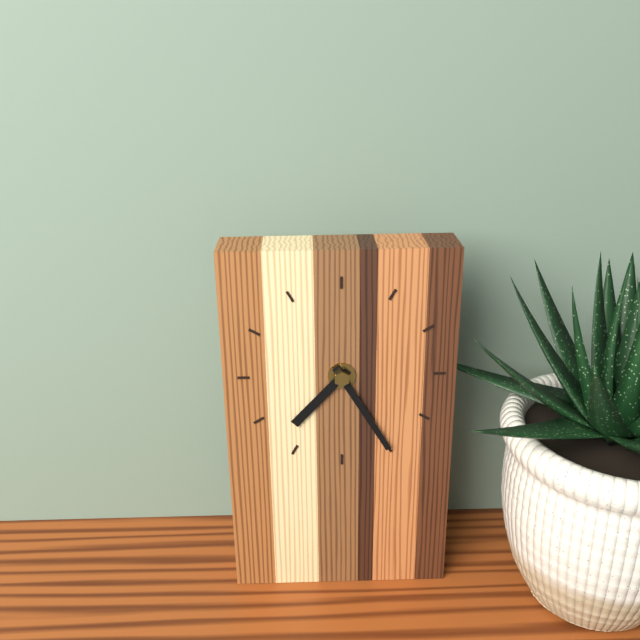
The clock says **7:25**
